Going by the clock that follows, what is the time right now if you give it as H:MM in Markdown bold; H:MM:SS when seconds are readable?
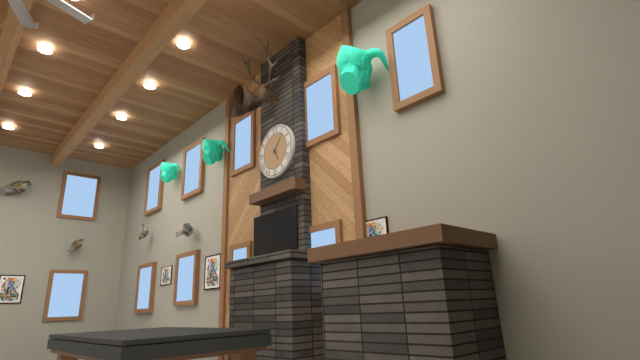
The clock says **5:07**
